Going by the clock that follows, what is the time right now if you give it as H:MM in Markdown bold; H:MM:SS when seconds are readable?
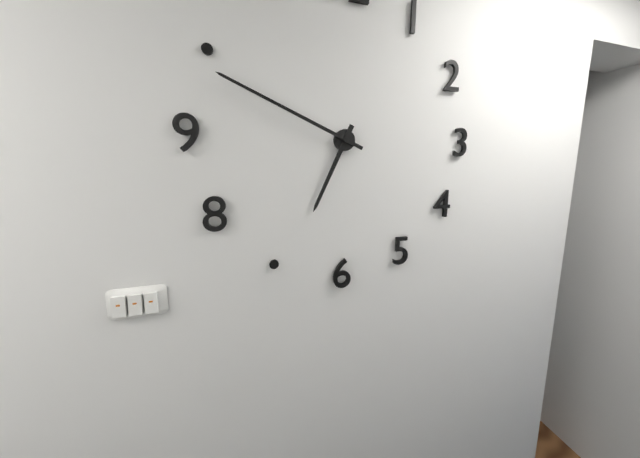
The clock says **6:49**
